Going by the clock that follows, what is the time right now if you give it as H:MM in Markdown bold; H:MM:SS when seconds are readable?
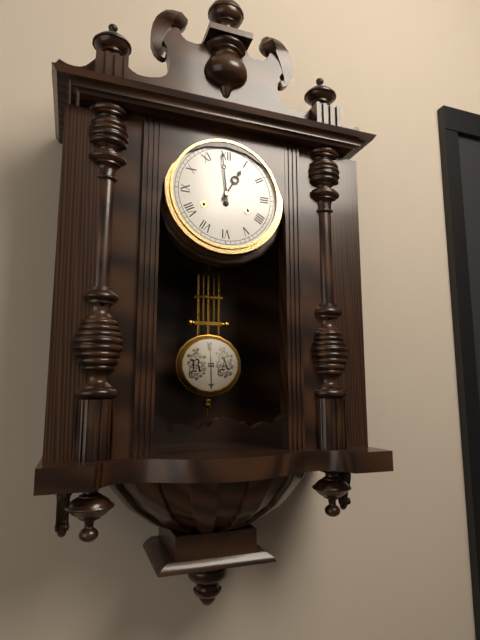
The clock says **12:59**
